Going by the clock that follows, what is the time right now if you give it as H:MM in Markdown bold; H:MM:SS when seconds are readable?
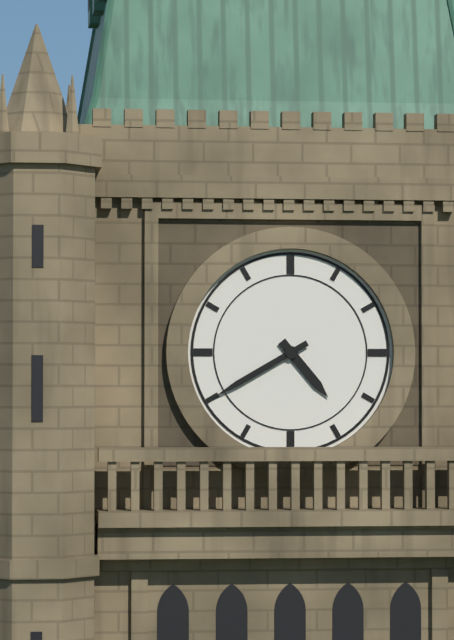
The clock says **4:40**
